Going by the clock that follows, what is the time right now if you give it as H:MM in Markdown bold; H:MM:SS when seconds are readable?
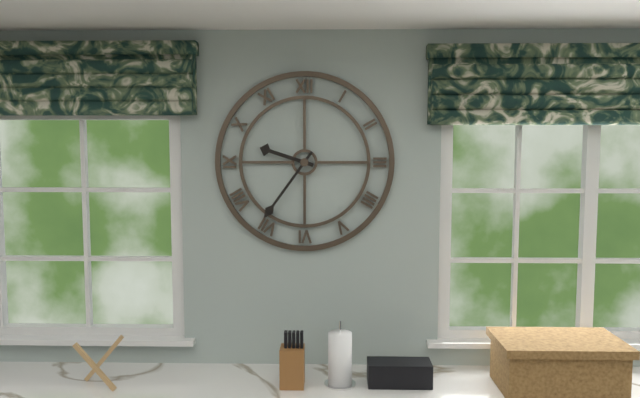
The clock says **9:36**
